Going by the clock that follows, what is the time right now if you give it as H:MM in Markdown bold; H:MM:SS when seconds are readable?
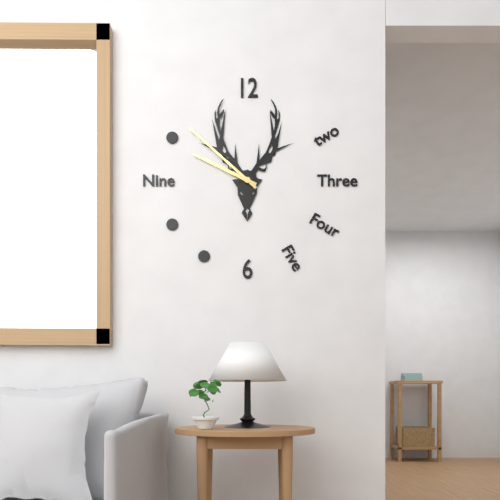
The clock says **9:52**
